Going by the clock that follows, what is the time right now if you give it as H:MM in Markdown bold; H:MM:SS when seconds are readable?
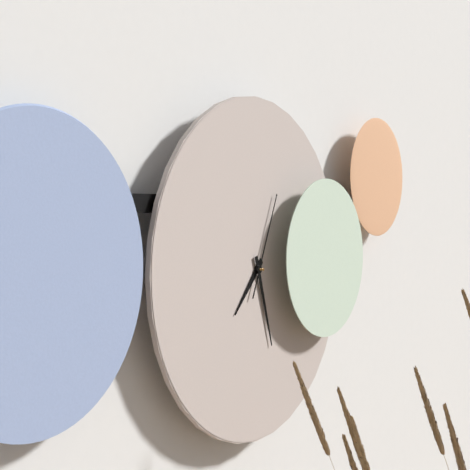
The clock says **7:27:04**
